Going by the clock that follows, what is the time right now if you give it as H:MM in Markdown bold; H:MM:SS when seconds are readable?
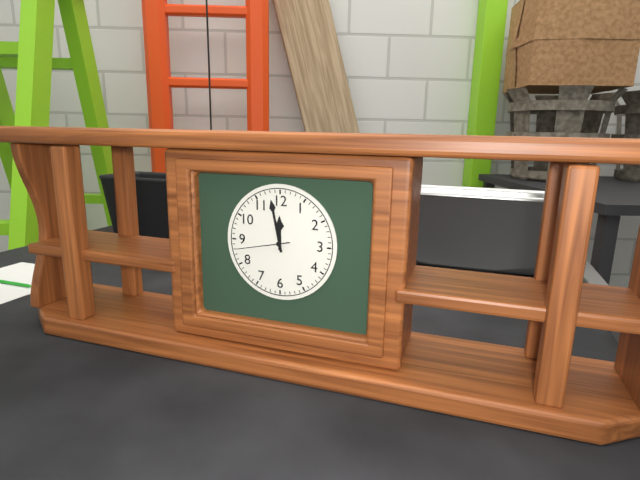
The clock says **11:58:43**
